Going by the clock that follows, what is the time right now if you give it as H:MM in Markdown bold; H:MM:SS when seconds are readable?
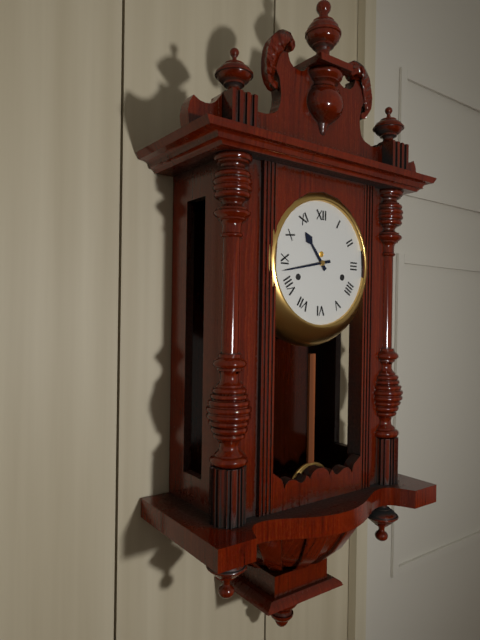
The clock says **10:43**
